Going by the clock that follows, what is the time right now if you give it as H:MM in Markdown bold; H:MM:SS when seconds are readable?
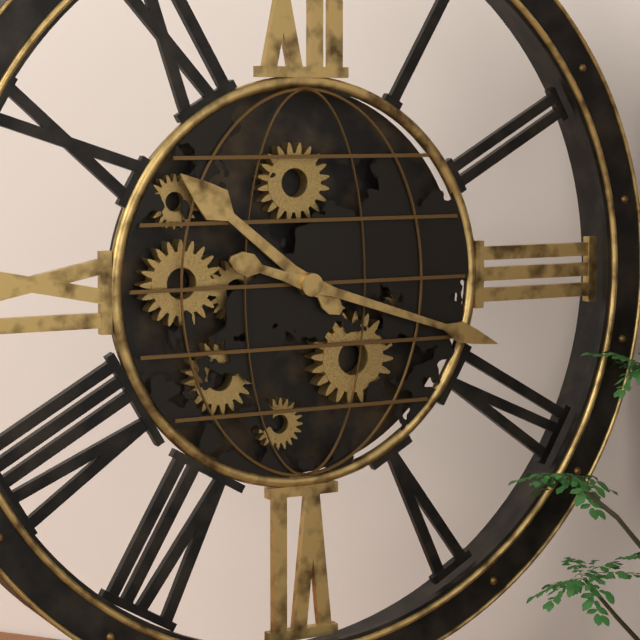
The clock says **10:18**
